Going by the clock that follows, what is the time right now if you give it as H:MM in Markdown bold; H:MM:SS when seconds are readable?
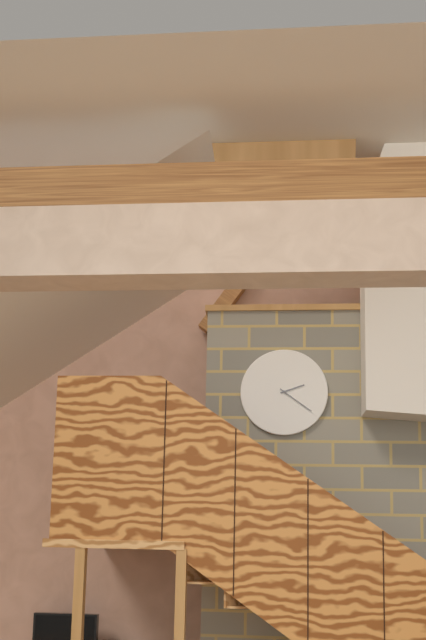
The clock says **2:21**
